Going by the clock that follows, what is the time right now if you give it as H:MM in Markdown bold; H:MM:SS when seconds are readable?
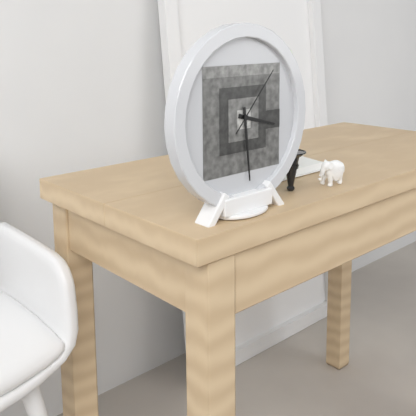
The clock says **3:29:07**
